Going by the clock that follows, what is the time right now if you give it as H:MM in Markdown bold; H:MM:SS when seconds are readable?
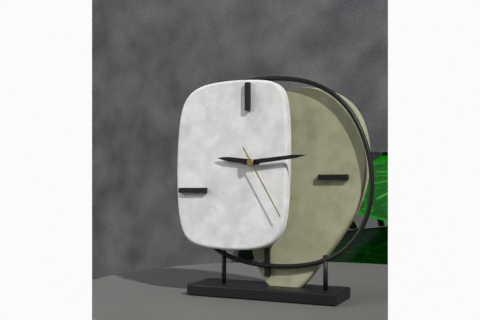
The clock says **9:14:25**
